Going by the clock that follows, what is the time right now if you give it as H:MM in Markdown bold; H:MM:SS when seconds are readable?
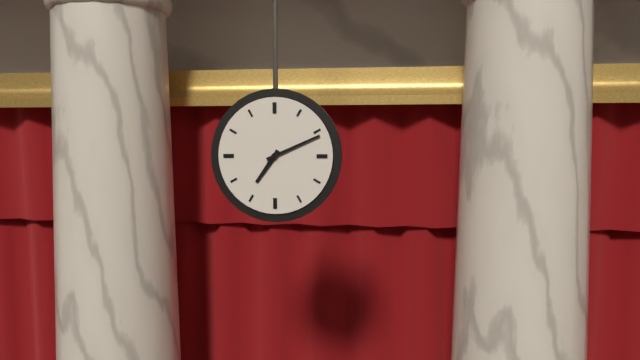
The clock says **7:11**
